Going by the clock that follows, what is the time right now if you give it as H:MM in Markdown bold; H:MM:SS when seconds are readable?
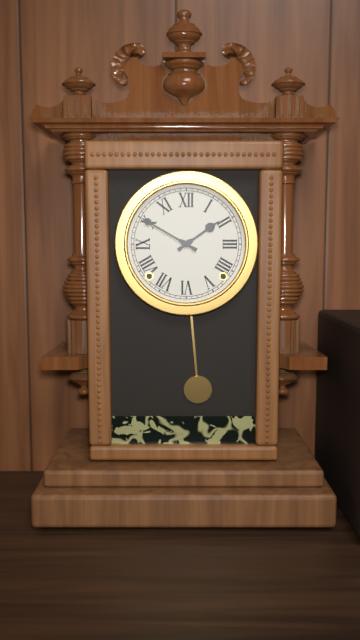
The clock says **1:50**
